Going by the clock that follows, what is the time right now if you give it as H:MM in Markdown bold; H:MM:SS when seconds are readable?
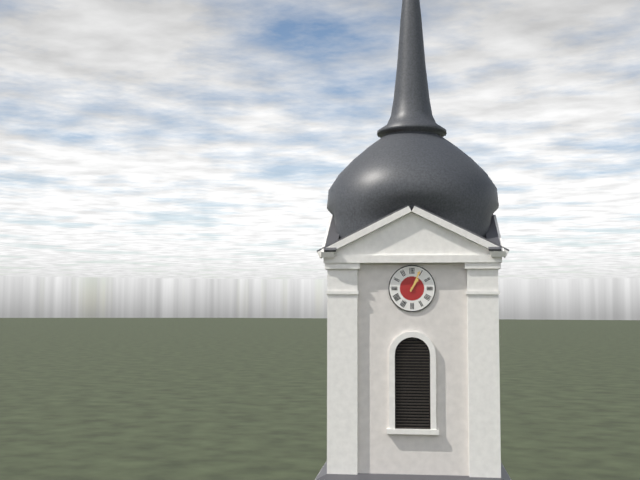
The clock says **1:04**
